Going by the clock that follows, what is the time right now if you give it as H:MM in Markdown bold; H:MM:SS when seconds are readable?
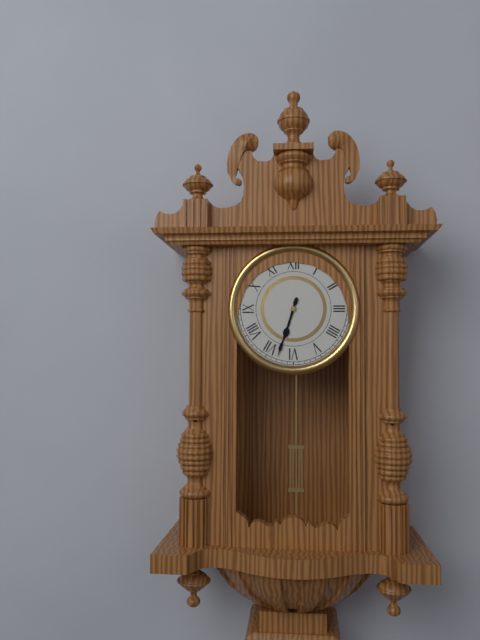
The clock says **6:33**
